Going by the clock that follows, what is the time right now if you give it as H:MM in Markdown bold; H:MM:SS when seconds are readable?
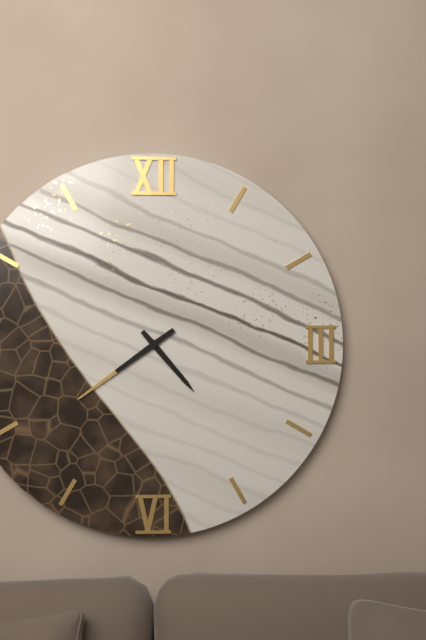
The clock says **4:39**
